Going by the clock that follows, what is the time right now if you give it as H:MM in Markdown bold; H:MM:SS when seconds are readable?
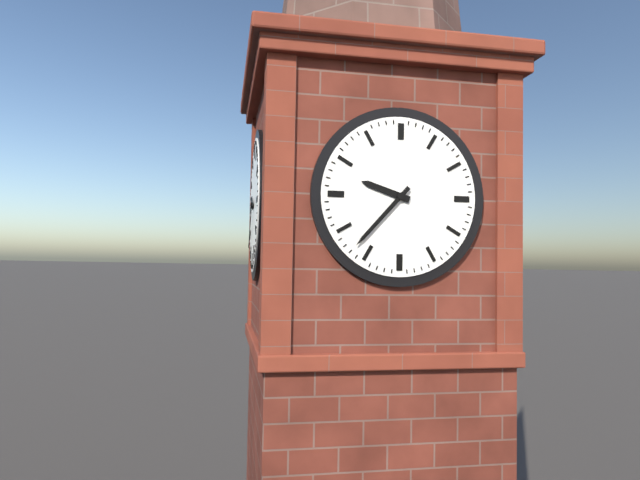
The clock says **9:37**
